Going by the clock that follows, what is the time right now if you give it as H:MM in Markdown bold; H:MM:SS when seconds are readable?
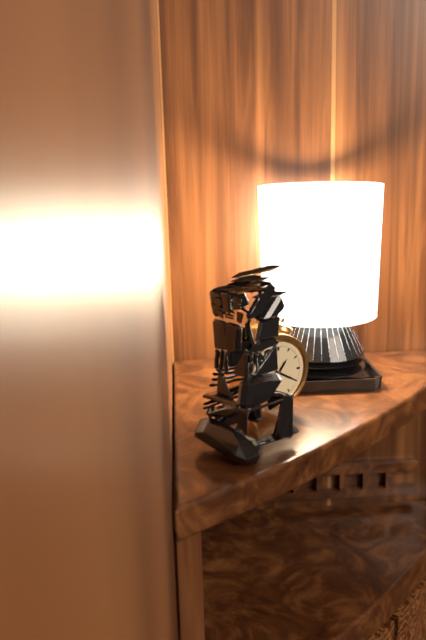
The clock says **1:20**
